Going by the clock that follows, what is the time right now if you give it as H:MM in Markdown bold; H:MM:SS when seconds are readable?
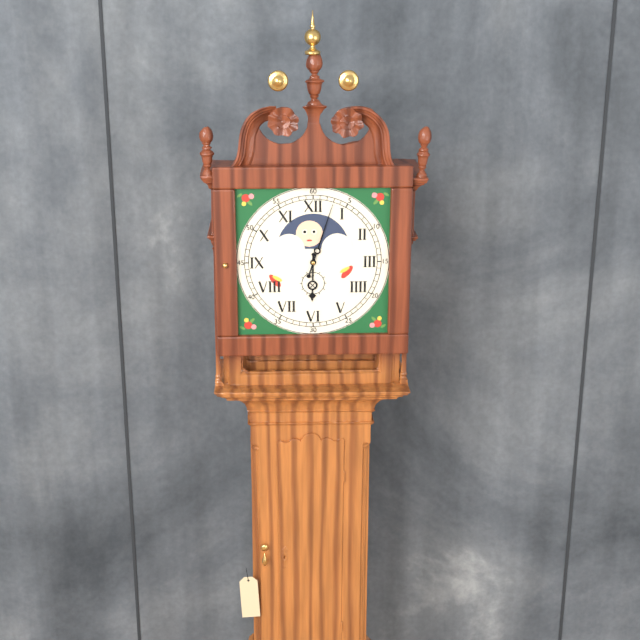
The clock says **6:03**
